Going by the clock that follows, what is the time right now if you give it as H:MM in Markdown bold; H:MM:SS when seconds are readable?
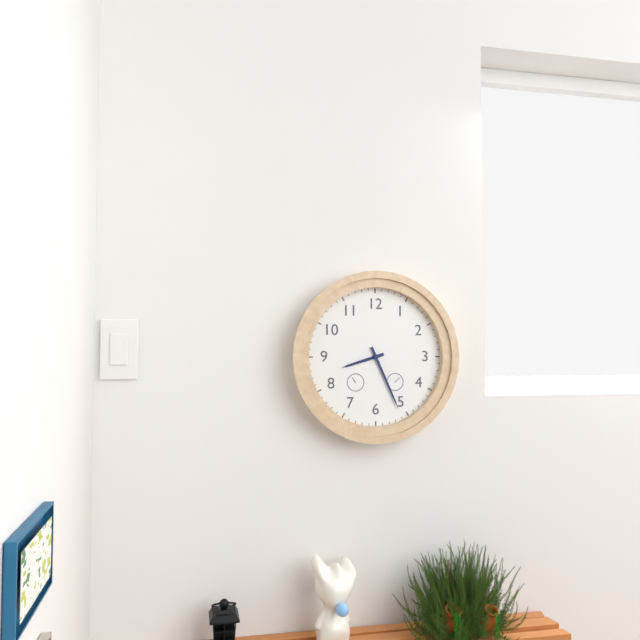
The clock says **8:26**
